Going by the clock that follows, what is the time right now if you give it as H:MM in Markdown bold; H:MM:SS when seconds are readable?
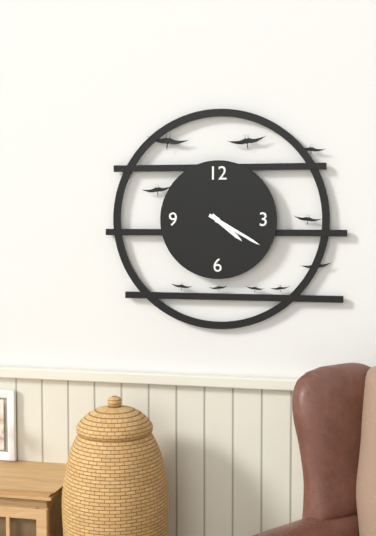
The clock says **4:20**
